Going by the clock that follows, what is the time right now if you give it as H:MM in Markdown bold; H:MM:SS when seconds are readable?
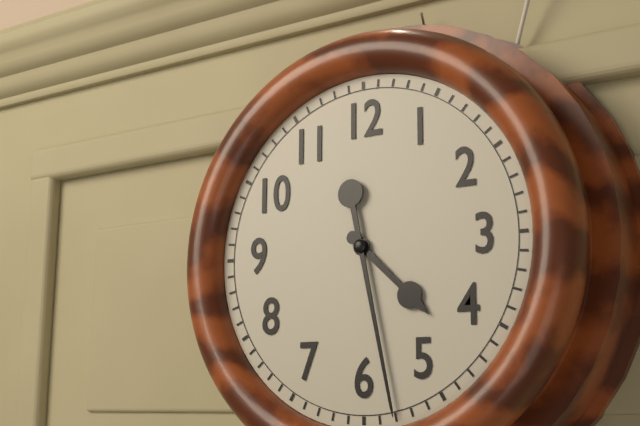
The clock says **4:28**
